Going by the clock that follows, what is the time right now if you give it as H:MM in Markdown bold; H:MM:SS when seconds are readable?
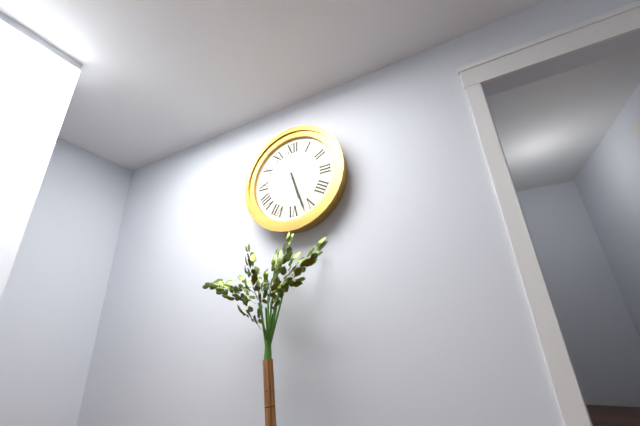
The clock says **5:27**
